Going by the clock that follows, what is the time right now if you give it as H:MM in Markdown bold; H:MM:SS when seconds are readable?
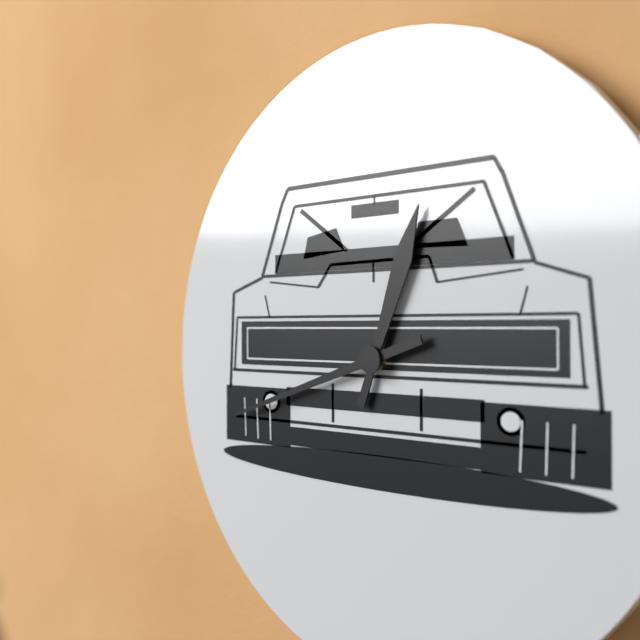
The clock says **12:42**
